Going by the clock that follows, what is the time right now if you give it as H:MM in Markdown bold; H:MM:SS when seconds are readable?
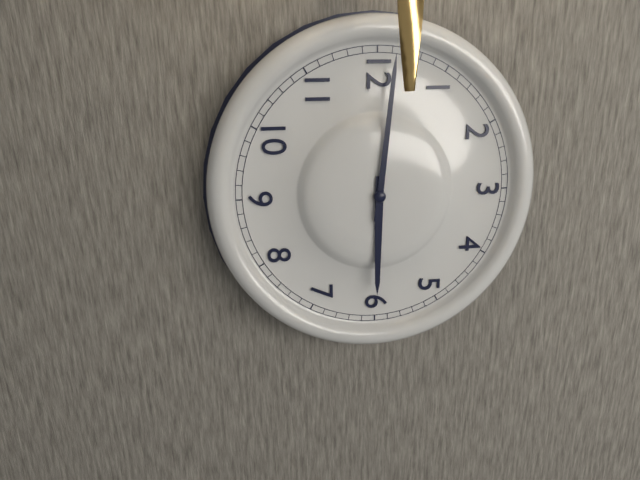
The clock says **6:01**
